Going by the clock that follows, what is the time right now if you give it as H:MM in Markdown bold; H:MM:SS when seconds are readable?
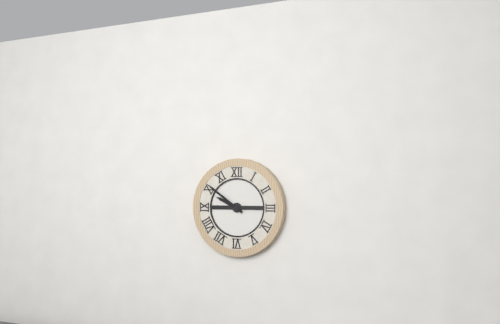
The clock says **9:51**
